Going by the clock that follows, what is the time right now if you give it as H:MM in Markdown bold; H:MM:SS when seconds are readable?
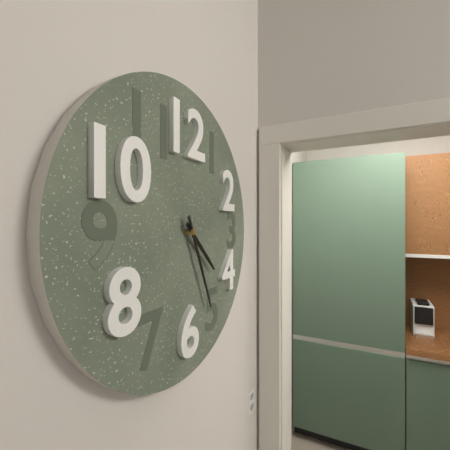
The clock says **4:26**
